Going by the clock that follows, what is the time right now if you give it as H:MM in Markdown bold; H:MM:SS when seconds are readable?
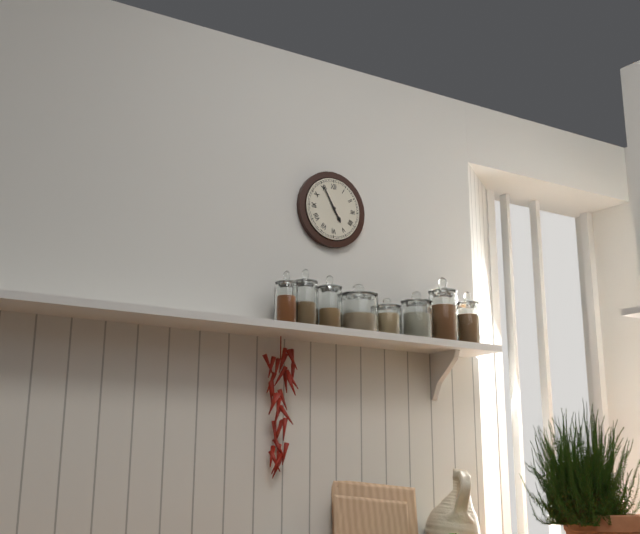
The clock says **4:55**
